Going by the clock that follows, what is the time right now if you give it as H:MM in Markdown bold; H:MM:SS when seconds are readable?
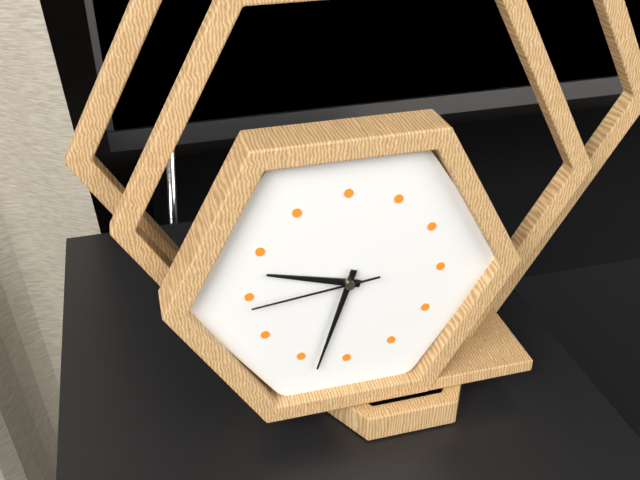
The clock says **9:33:44**
